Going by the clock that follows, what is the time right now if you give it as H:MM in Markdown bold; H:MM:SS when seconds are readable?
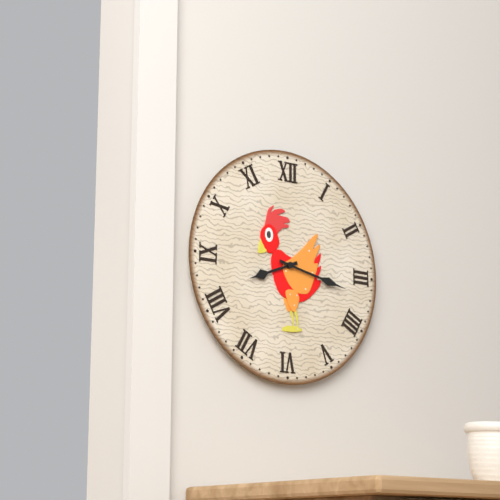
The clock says **8:17**
